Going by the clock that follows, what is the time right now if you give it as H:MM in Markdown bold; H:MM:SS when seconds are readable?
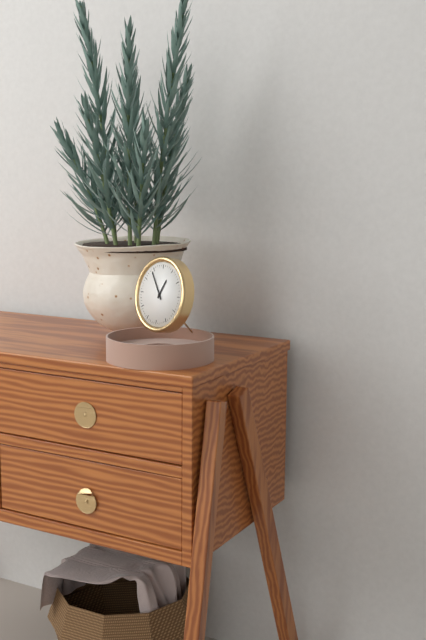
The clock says **12:54**
